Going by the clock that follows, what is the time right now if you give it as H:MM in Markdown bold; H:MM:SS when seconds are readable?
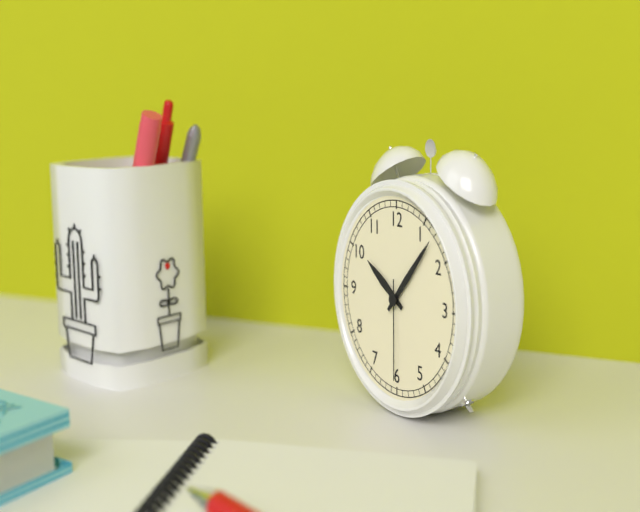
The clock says **10:07:30**
